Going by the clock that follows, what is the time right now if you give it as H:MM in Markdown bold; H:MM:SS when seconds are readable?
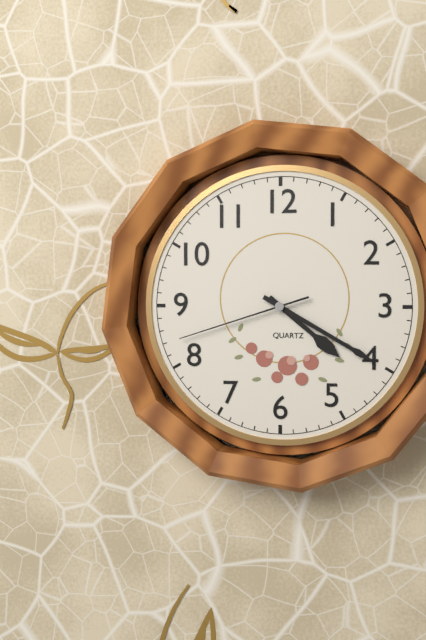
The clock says **4:20:42**
